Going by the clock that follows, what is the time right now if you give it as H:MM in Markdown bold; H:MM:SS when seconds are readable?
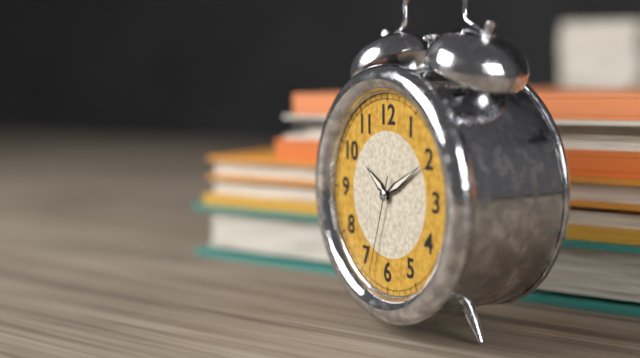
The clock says **10:10:33**
